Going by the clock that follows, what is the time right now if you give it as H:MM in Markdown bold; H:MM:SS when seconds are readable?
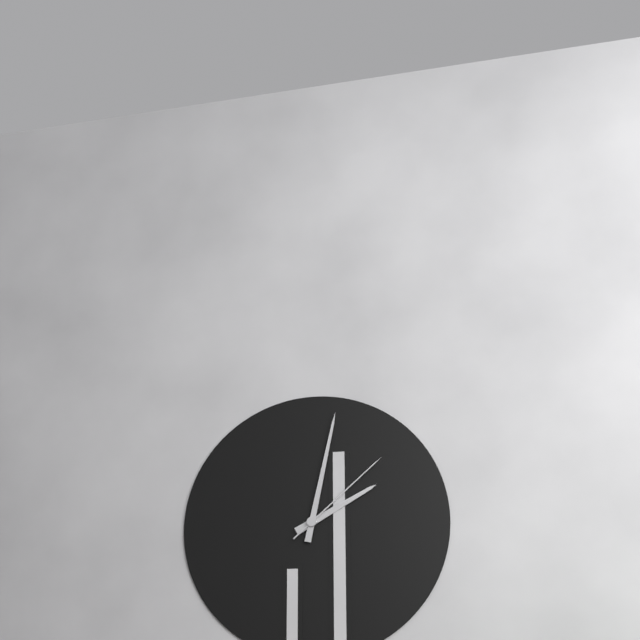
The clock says **2:02:08**
